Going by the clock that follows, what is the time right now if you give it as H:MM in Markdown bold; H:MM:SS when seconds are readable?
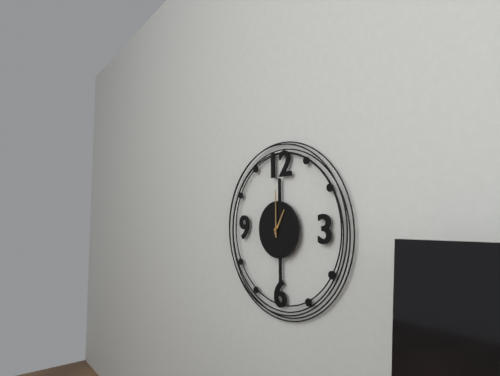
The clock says **1:00**
